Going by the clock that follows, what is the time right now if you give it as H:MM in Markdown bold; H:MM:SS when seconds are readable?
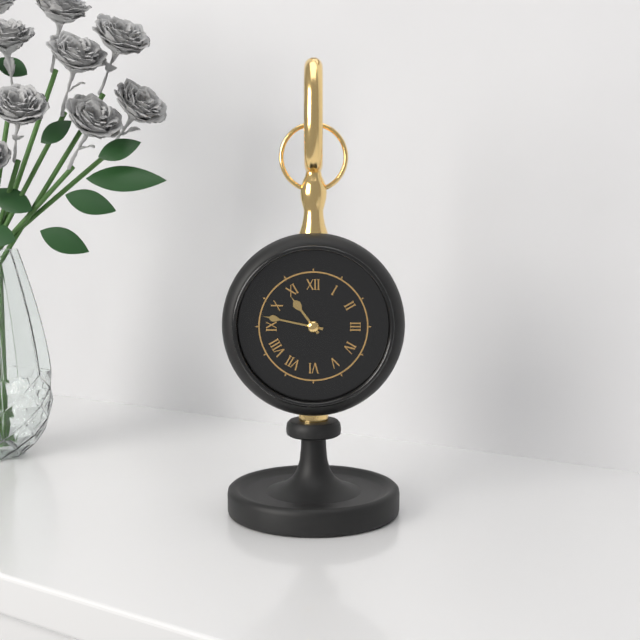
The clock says **10:47**
